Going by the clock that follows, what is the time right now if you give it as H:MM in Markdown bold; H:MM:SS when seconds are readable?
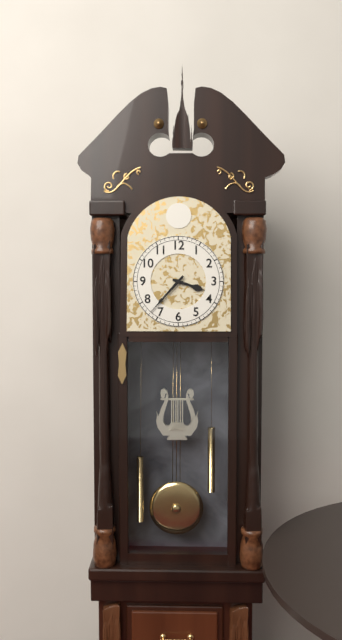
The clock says **3:37**
